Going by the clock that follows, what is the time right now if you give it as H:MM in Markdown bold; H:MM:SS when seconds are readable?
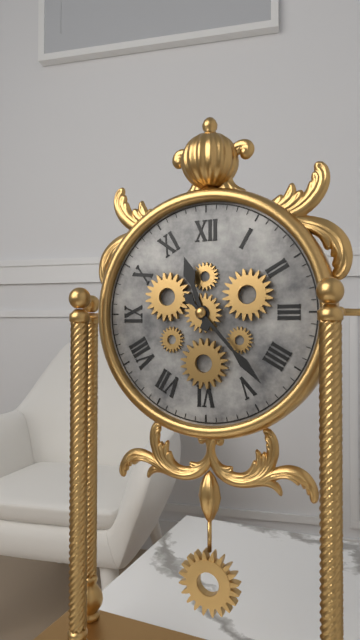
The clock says **11:23**
